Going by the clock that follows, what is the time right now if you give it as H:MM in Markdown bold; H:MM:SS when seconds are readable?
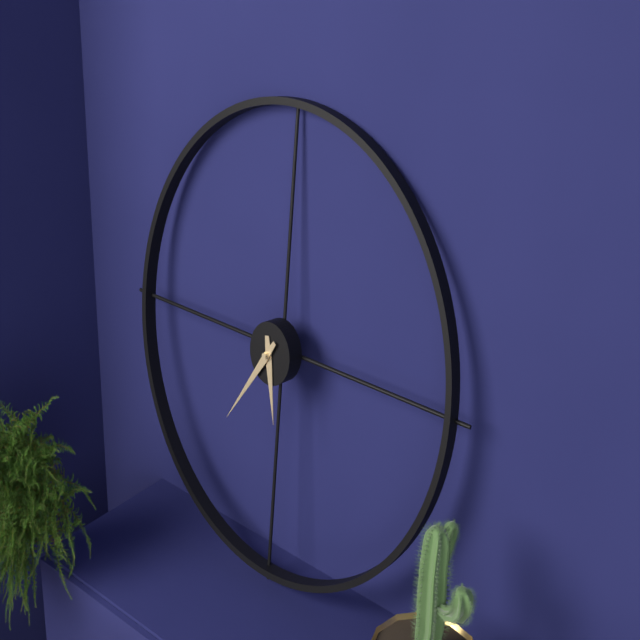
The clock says **5:36**
